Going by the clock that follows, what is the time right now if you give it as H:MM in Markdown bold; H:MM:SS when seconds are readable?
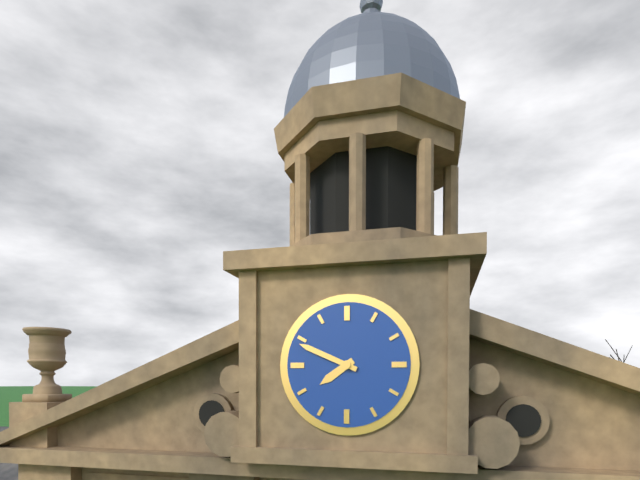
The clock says **7:49**
